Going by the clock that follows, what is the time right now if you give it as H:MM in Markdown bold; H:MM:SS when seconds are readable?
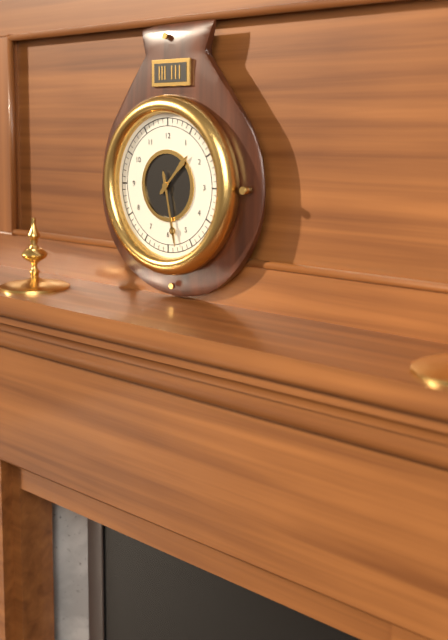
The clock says **1:28**
